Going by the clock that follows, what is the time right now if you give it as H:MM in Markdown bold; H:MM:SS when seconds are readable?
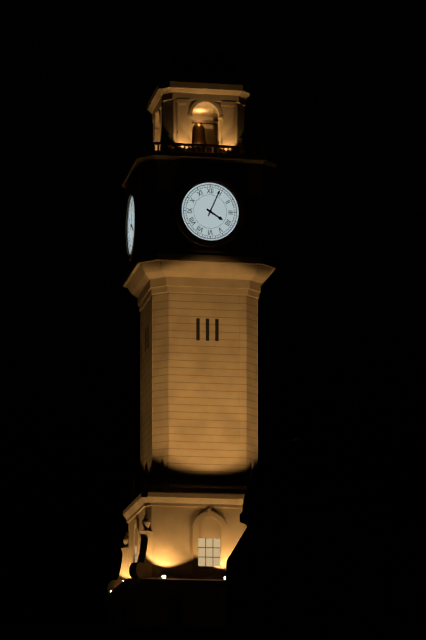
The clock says **4:04**
